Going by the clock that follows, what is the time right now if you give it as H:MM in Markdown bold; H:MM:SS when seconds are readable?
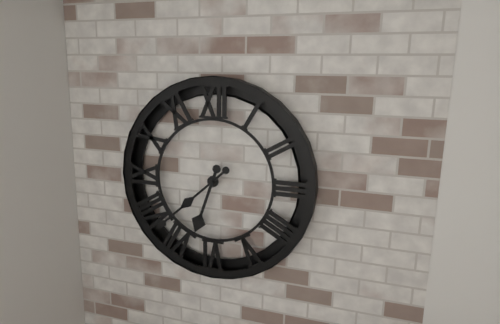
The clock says **6:38**
